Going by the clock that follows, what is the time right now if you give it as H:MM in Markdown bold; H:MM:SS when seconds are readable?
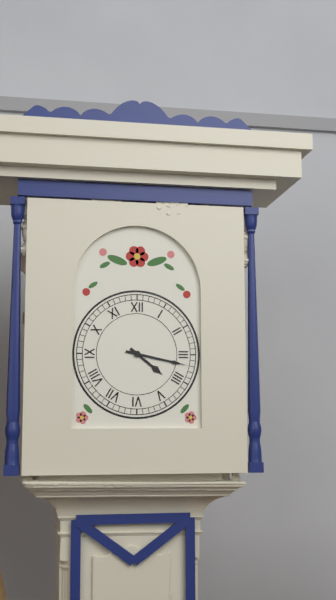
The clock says **4:17**
